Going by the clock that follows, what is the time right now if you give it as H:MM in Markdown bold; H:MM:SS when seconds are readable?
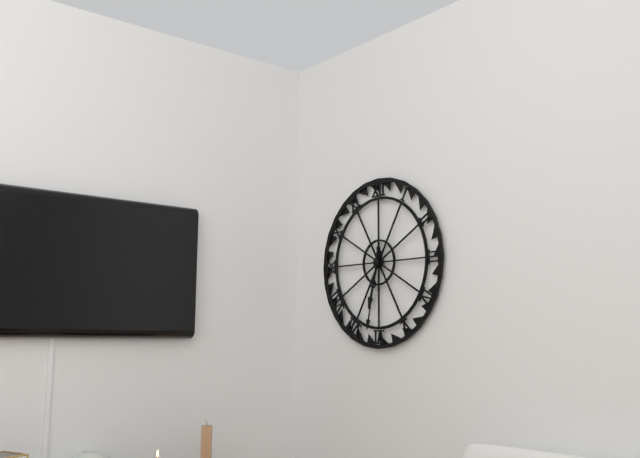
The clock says **6:32**
